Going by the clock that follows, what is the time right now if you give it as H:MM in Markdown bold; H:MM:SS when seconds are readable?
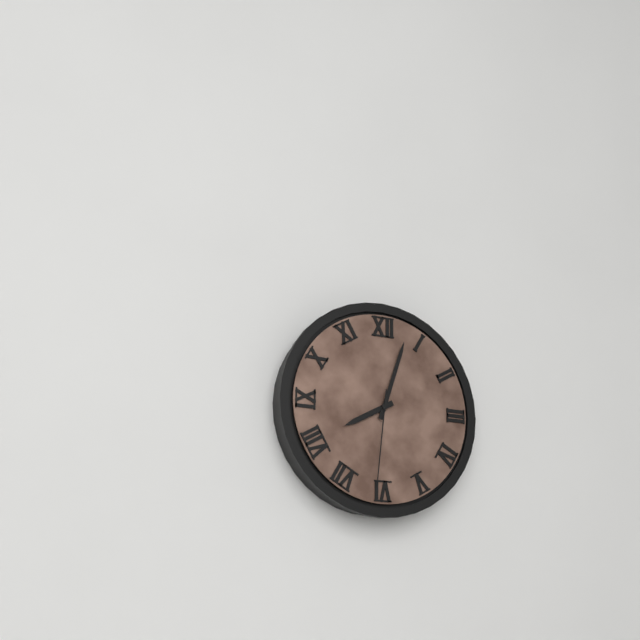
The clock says **8:03:31**
